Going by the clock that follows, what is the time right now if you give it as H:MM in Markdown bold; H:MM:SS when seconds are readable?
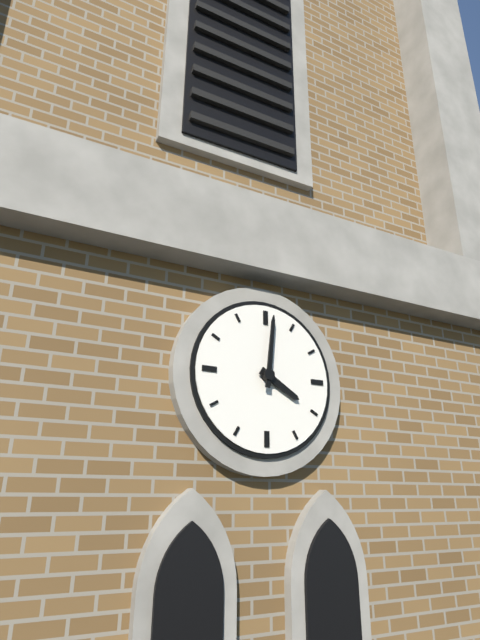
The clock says **4:01**
